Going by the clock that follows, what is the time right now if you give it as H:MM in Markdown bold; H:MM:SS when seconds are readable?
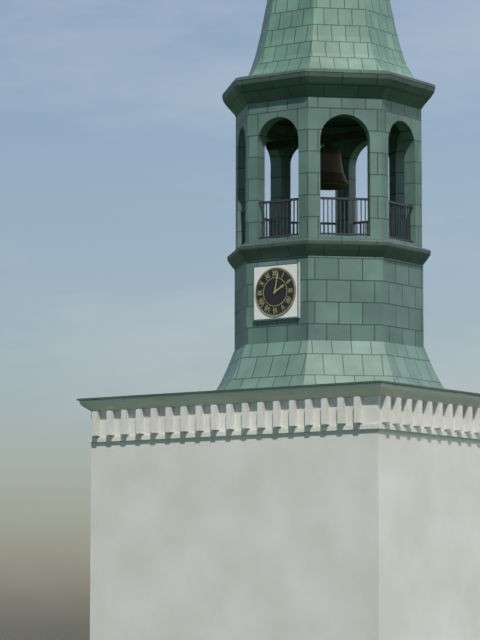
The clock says **2:02**
